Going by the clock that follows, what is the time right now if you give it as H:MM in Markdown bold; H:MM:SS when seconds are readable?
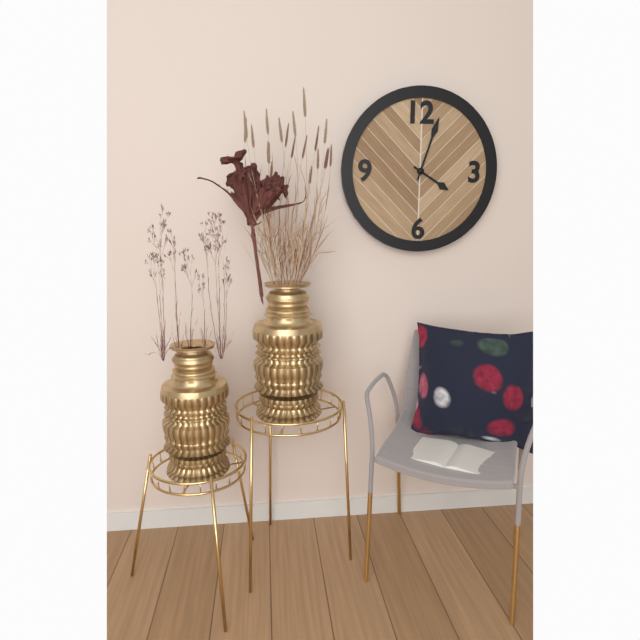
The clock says **4:03**
